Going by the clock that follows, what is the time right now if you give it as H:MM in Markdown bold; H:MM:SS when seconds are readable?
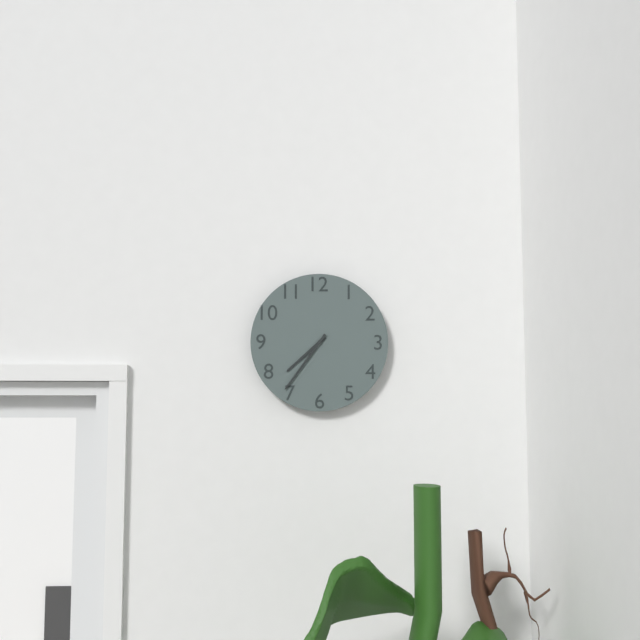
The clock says **7:36**
